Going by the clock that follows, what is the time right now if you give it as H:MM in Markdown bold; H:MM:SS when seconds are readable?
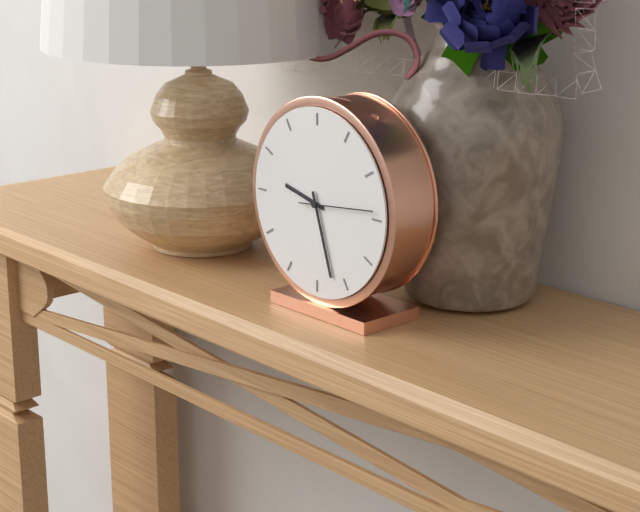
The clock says **9:27:14**
